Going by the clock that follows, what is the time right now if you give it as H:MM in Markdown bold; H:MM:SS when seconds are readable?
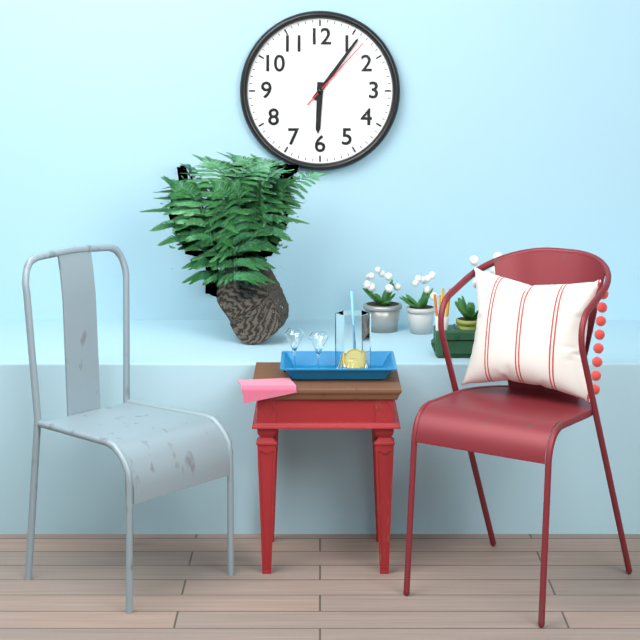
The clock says **6:06:07**
